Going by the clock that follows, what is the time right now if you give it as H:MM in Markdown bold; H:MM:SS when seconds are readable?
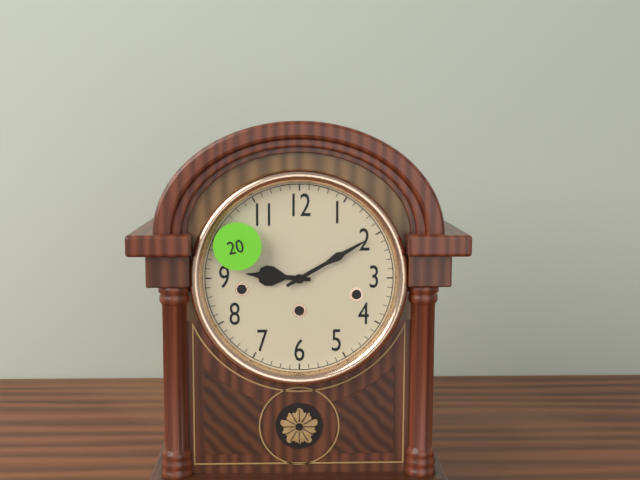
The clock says **9:10**
